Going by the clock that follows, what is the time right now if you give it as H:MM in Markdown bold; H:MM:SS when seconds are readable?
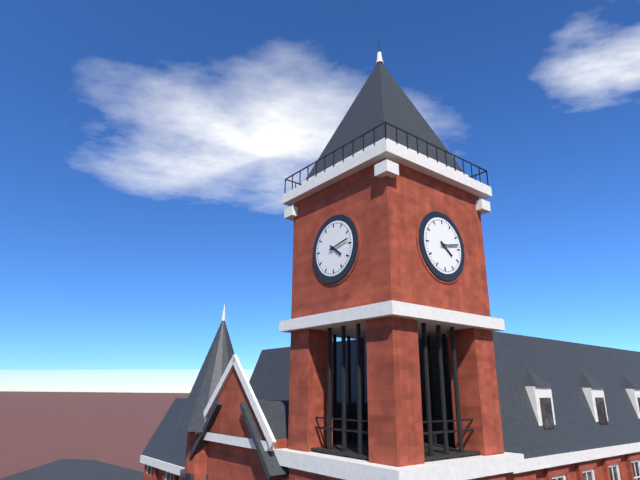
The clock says **4:13**
